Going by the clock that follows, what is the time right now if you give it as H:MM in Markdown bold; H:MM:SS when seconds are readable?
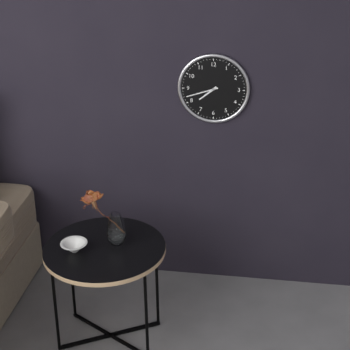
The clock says **7:42**
